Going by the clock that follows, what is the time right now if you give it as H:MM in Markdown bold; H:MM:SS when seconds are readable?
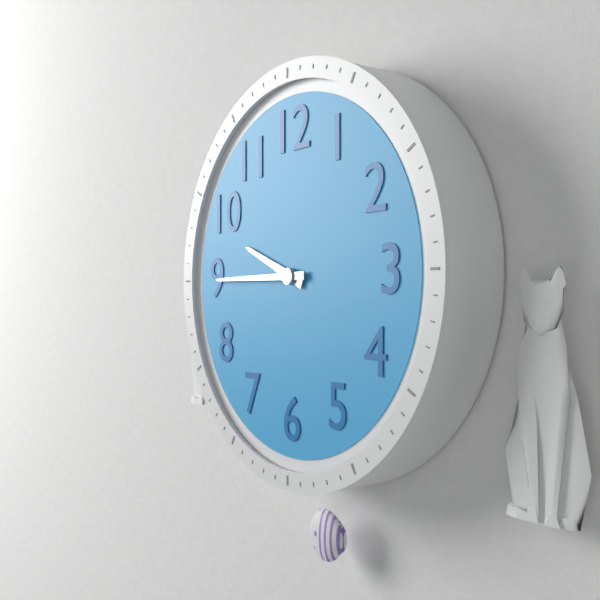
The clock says **9:45**
